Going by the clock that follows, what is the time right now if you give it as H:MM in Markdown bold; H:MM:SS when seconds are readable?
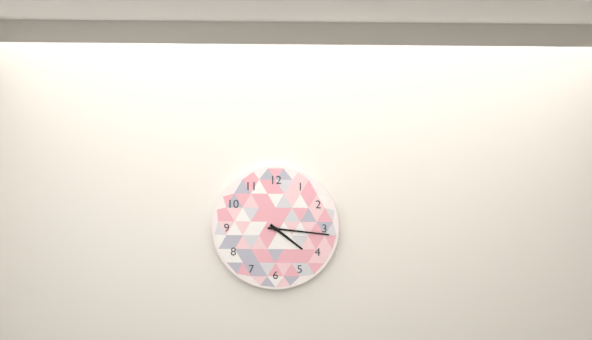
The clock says **4:16**
